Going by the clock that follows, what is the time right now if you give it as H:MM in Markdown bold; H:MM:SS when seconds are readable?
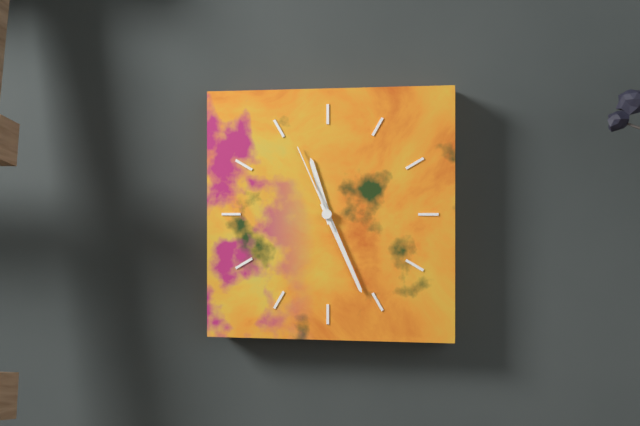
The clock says **11:26:56**
